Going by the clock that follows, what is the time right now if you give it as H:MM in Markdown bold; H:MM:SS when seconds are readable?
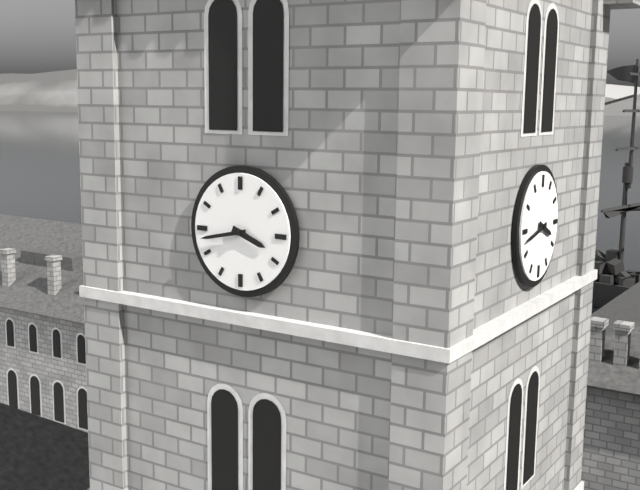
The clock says **3:43**
